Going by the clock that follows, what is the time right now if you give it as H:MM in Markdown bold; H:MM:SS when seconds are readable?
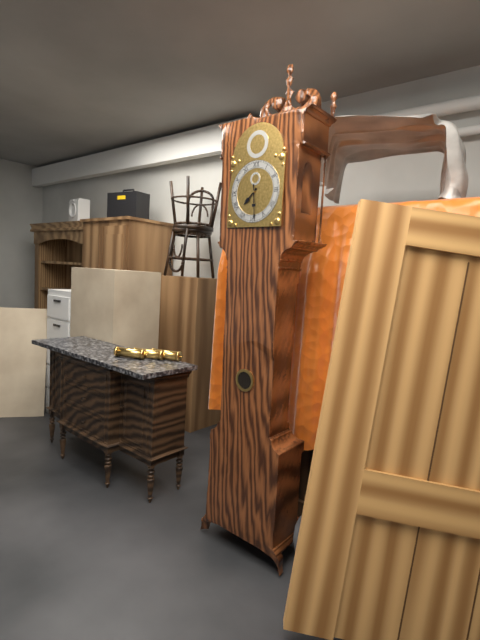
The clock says **7:29**
